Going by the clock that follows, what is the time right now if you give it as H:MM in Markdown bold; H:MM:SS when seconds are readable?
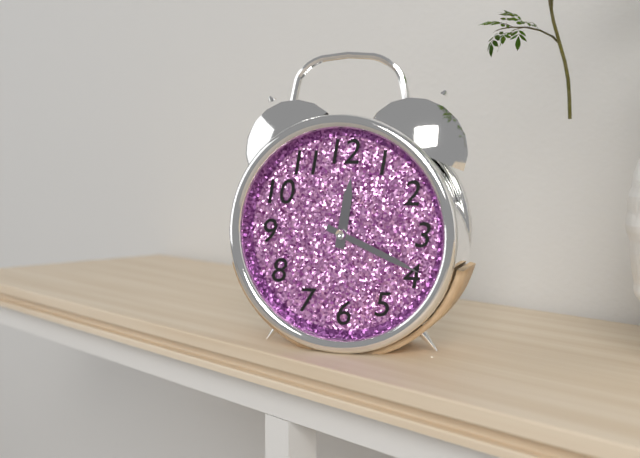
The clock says **12:19**
